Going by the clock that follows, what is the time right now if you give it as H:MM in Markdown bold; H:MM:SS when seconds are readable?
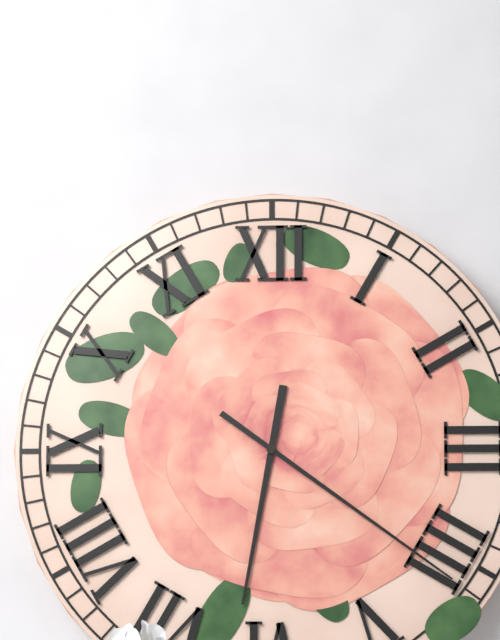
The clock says **6:21**
